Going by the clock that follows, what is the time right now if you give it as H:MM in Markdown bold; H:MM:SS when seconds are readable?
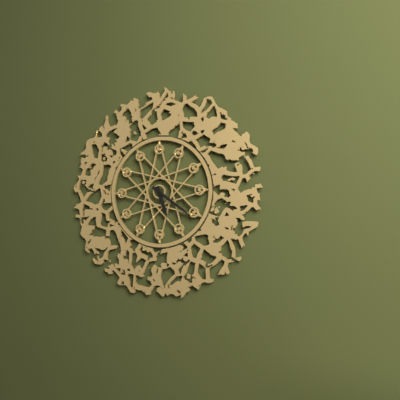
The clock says **5:21**
